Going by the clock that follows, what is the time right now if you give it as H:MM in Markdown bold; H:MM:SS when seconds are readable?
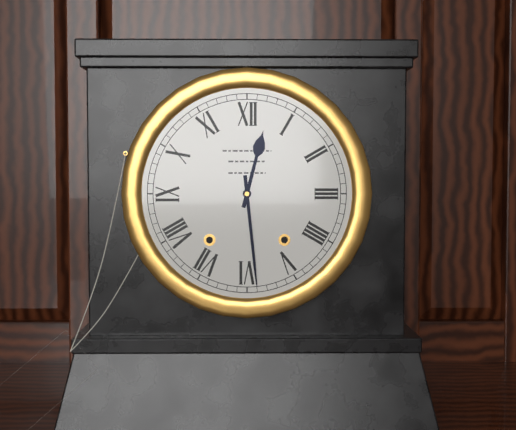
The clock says **12:29**
